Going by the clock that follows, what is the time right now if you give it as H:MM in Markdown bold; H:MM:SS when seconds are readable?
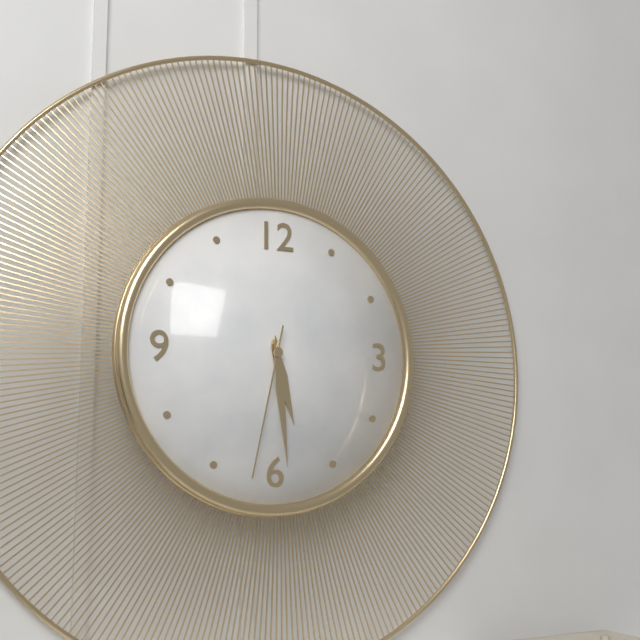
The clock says **5:29:32**
